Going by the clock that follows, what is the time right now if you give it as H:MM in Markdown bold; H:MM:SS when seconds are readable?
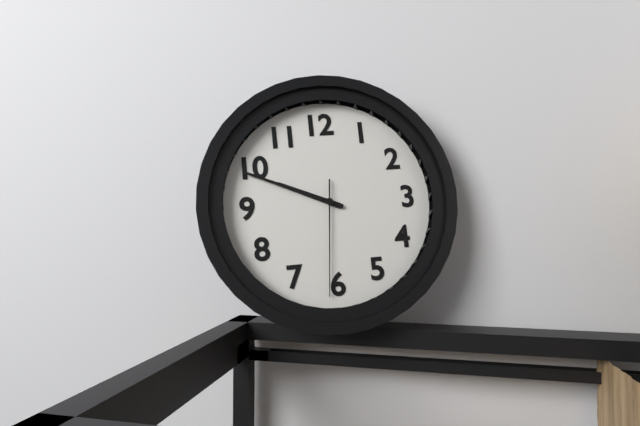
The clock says **9:49:31**
